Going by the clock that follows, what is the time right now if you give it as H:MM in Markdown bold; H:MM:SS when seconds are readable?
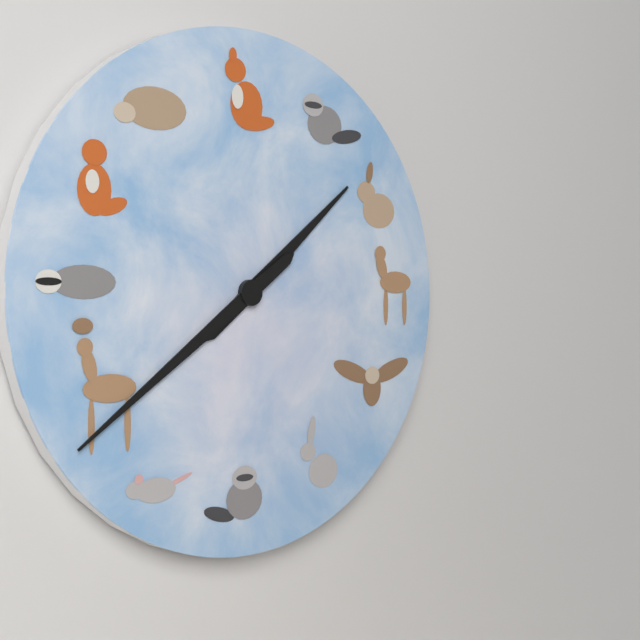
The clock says **1:39**
